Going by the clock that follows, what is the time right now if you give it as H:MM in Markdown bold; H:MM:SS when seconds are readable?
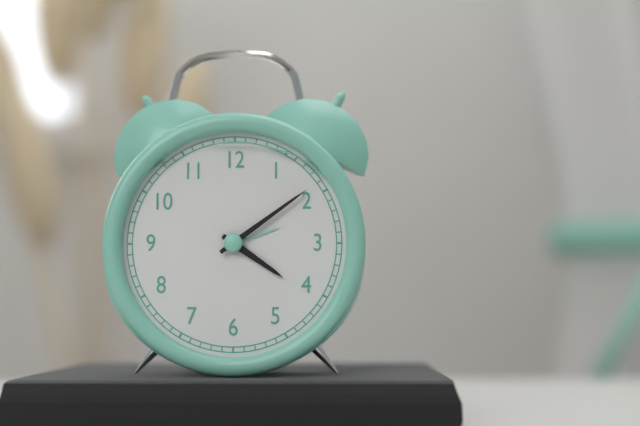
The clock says **4:09**
